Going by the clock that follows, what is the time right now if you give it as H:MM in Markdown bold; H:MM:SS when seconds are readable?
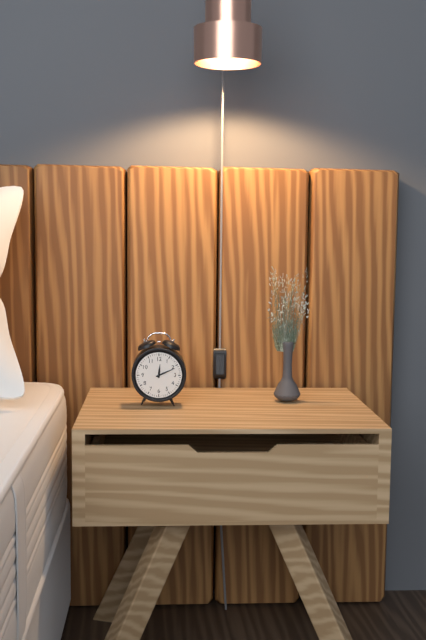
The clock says **12:11**
